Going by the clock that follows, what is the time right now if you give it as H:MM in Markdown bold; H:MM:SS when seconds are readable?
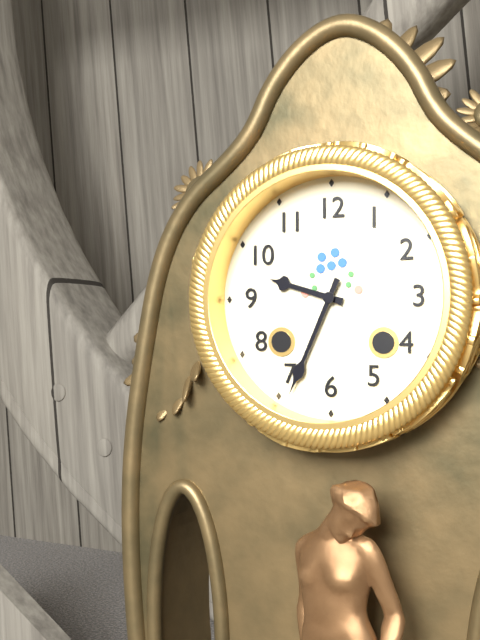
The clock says **9:34**
